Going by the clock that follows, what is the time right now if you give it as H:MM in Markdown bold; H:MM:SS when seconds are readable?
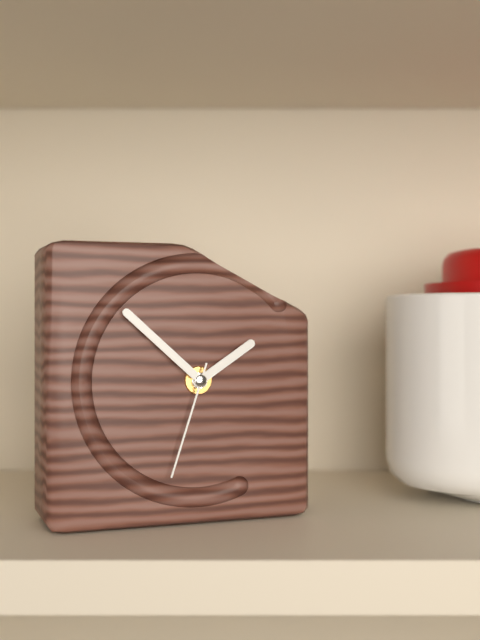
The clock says **1:52:33**
